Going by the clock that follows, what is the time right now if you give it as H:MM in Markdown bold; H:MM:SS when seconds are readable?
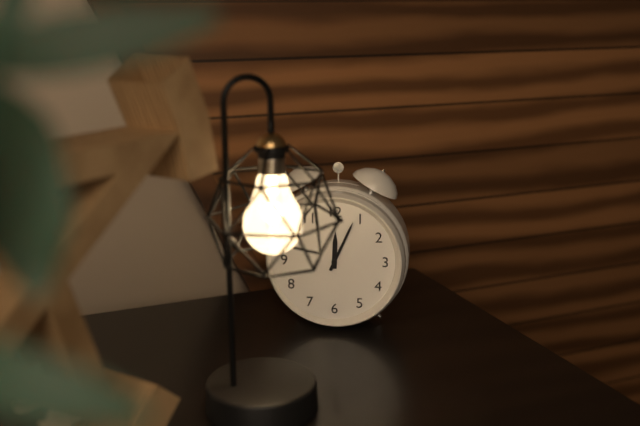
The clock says **12:04**
